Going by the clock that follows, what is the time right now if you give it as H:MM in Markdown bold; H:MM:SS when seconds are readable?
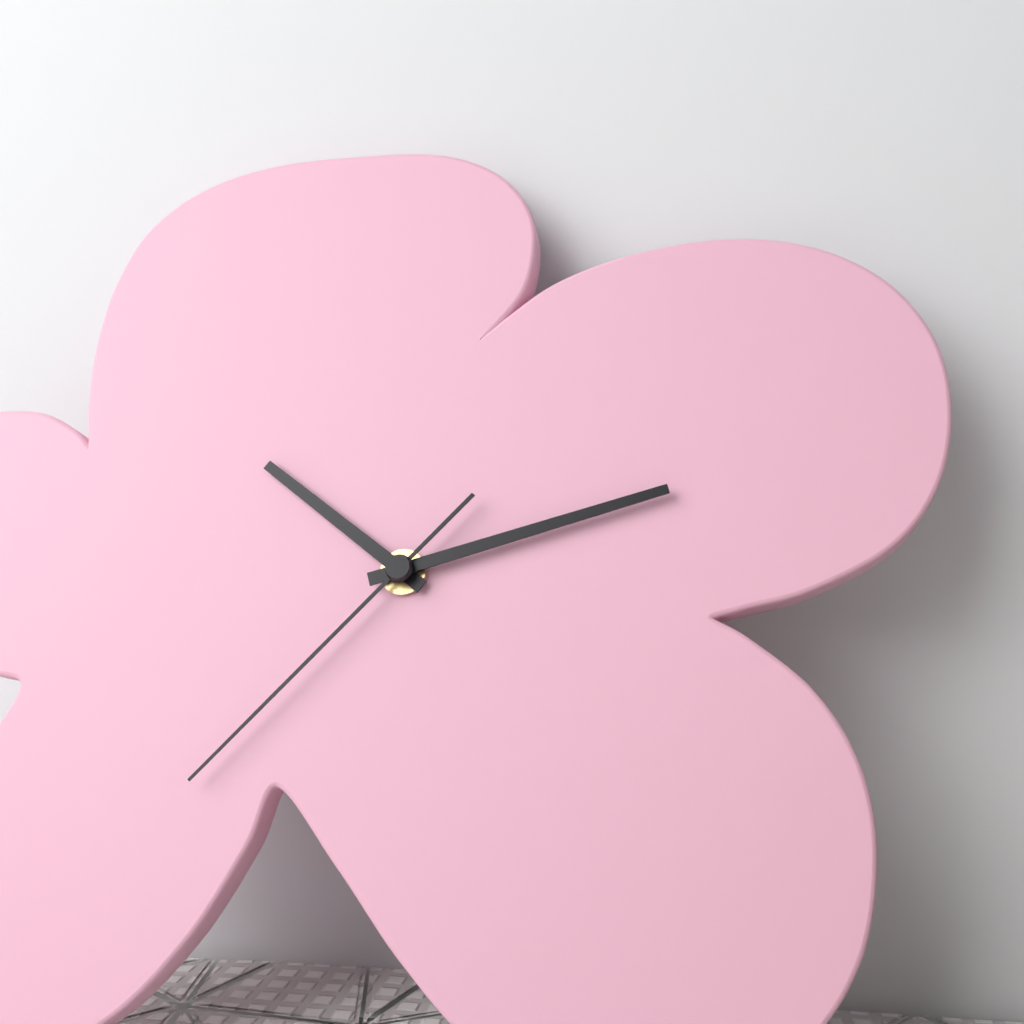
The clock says **10:12:37**
